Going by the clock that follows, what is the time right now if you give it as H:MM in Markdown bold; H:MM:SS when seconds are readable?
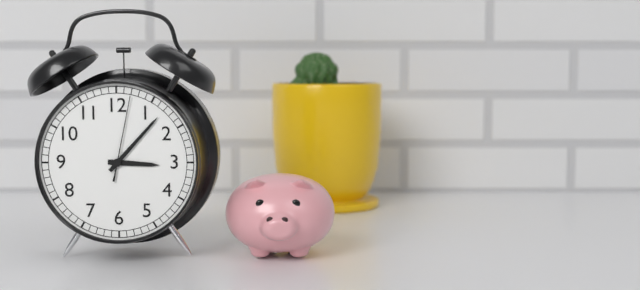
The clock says **3:07:02**
